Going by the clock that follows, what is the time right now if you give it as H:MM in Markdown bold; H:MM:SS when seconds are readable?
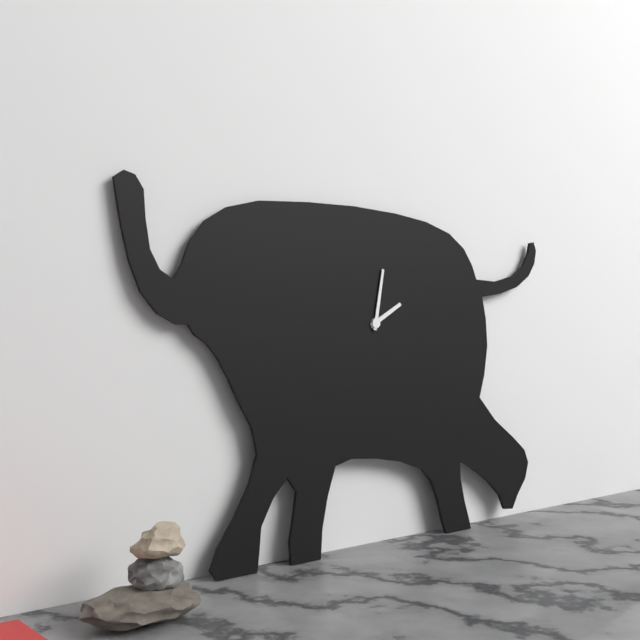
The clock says **2:02**
